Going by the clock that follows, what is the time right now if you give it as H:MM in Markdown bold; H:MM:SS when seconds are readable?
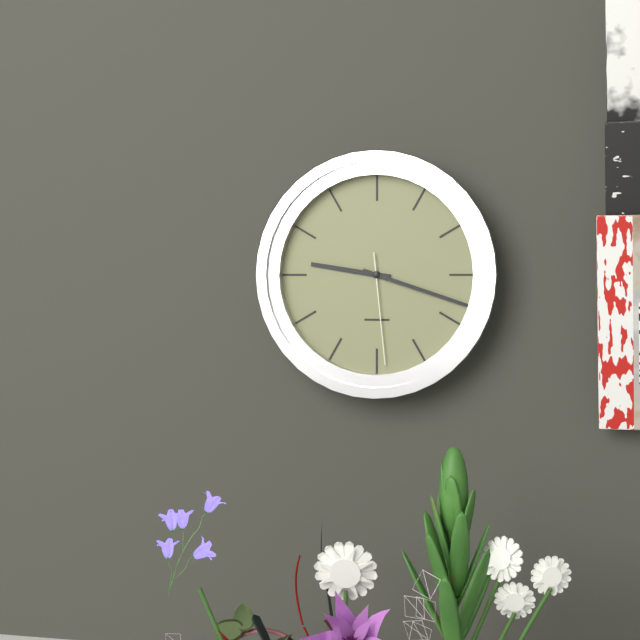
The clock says **9:18:29**
